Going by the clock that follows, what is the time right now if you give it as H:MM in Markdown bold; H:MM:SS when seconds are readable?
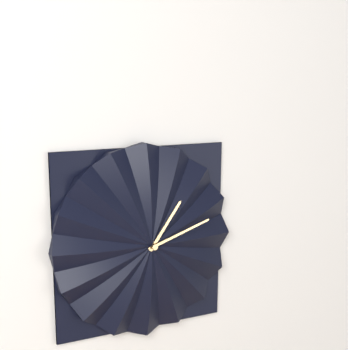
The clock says **1:12**
